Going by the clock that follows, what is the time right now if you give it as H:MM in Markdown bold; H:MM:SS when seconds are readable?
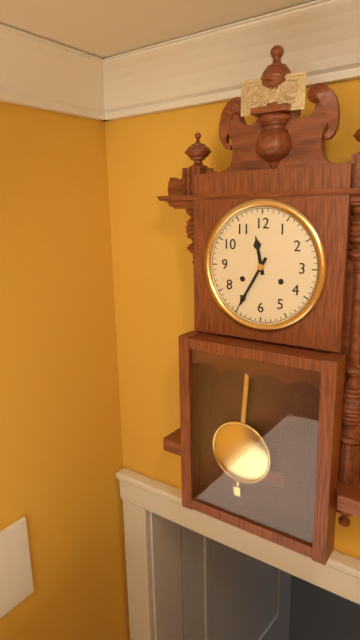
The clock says **11:35**
